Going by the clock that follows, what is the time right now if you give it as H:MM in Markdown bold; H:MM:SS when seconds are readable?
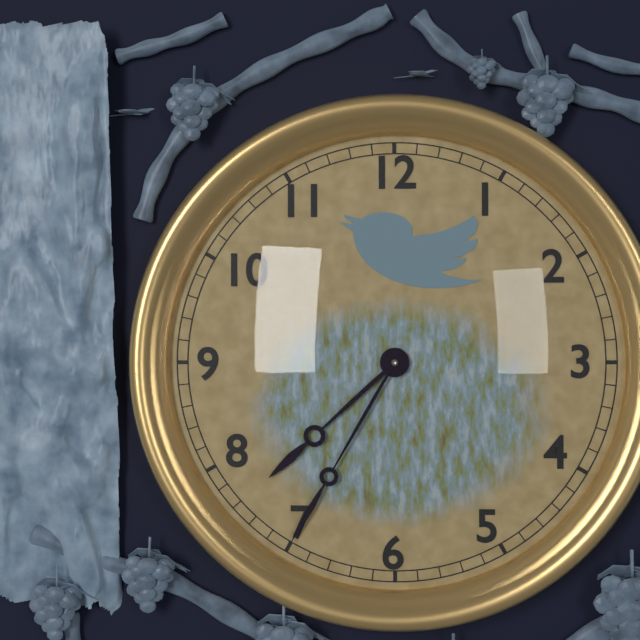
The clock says **7:35**
